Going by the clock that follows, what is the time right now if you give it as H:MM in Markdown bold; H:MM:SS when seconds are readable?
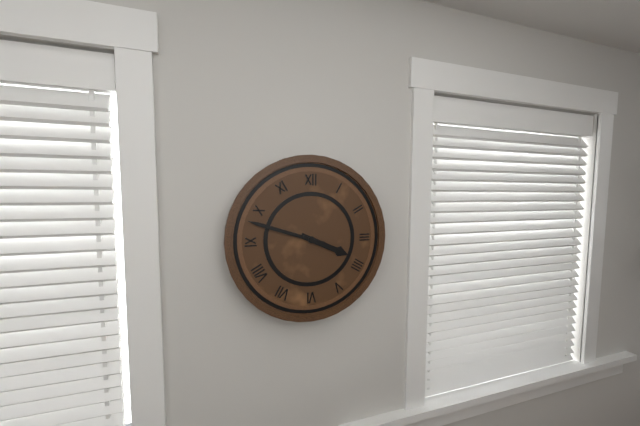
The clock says **3:48**
